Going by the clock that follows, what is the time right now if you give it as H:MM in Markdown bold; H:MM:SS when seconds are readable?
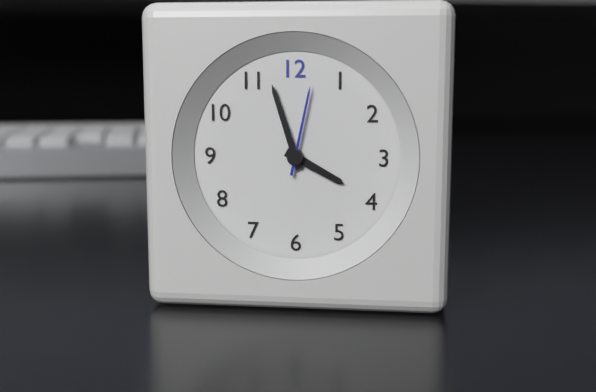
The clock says **3:57:02**
